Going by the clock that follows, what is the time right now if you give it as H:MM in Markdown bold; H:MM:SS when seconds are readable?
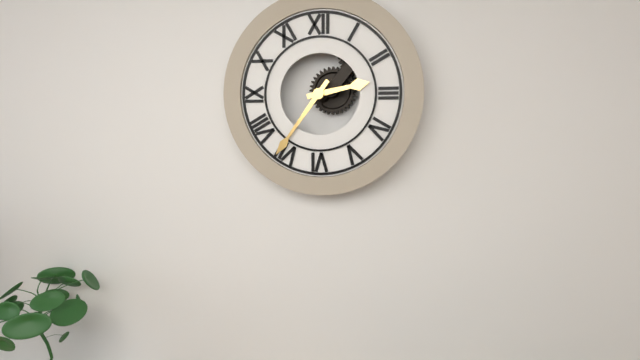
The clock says **2:36**
